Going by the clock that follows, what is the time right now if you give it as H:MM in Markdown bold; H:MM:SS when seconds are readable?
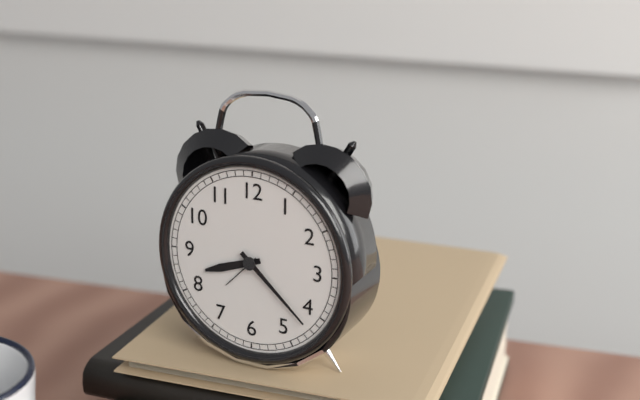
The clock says **8:22**
